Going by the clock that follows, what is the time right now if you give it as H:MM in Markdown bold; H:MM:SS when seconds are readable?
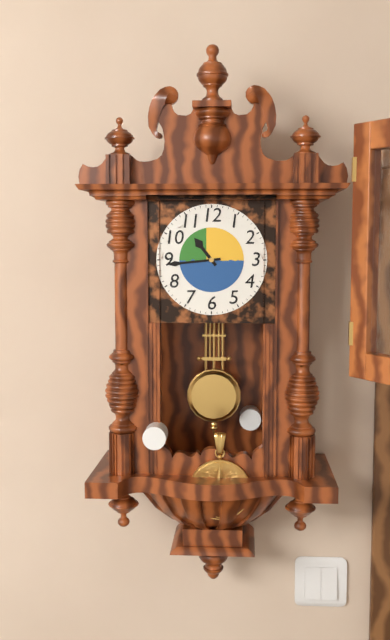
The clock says **10:44**
